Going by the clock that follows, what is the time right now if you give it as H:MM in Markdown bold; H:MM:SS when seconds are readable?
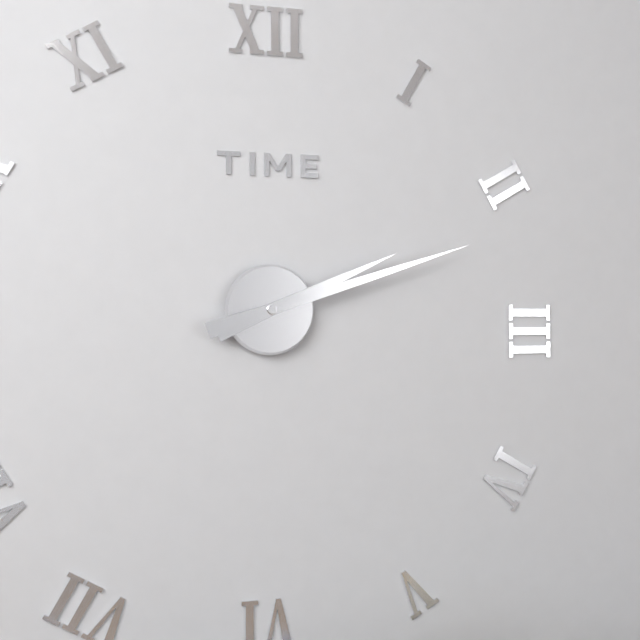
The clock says **2:12**
